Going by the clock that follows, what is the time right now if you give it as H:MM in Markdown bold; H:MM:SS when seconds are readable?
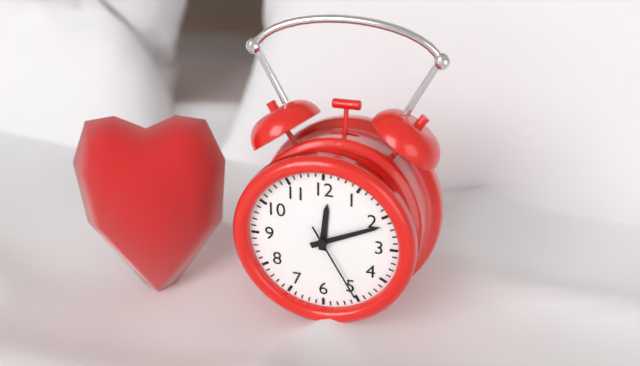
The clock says **12:11:25**
